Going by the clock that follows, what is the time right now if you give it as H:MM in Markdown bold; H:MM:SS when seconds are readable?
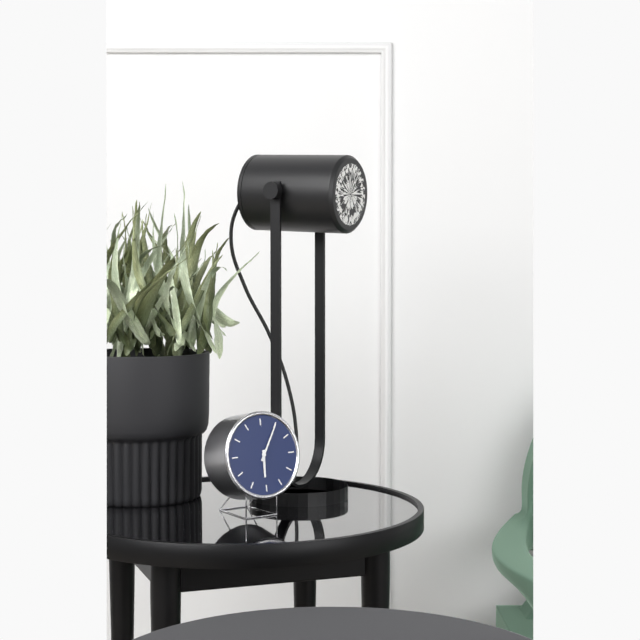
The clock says **6:05**
